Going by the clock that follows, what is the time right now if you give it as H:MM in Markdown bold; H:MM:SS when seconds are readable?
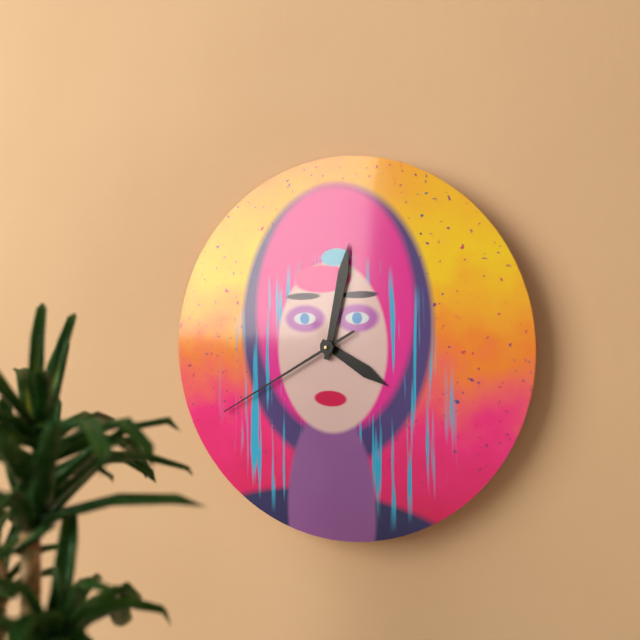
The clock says **4:02:40**
